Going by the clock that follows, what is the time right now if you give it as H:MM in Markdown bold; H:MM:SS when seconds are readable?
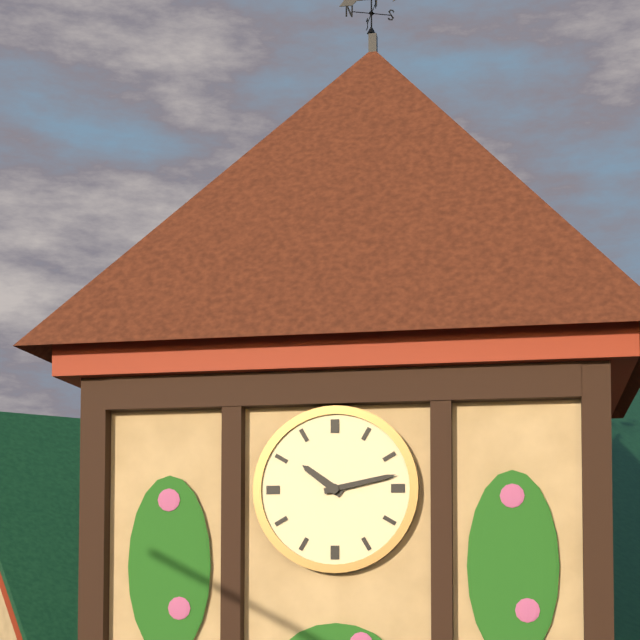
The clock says **10:13**
